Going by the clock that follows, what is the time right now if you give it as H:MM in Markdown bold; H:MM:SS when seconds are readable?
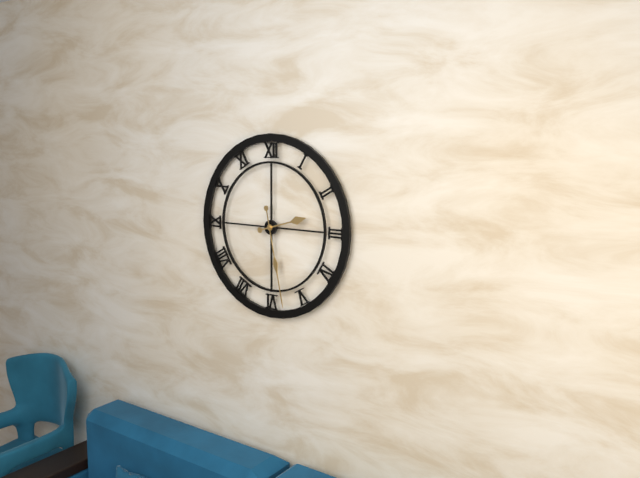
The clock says **2:28**
